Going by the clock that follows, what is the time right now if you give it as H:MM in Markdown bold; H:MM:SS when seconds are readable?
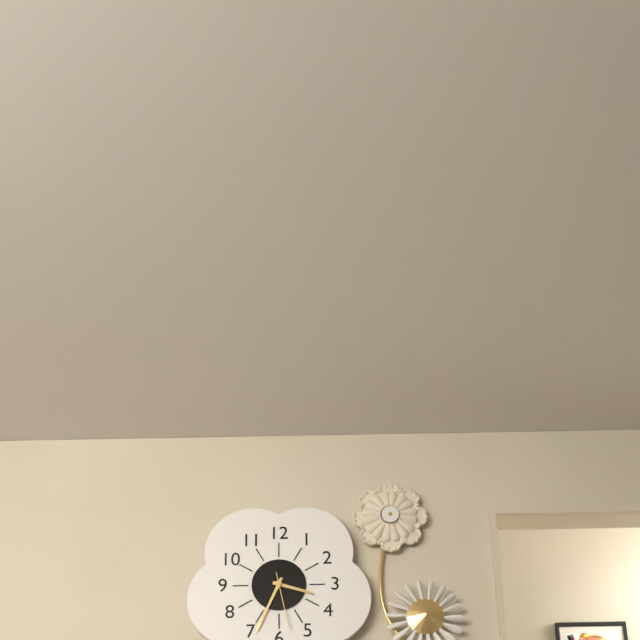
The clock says **3:34:28**
